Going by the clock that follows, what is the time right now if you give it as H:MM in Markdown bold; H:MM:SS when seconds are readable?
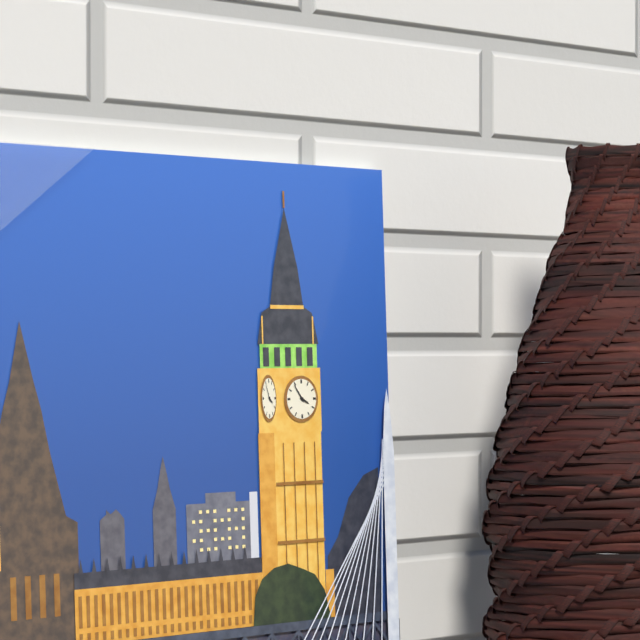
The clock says **3:54**
